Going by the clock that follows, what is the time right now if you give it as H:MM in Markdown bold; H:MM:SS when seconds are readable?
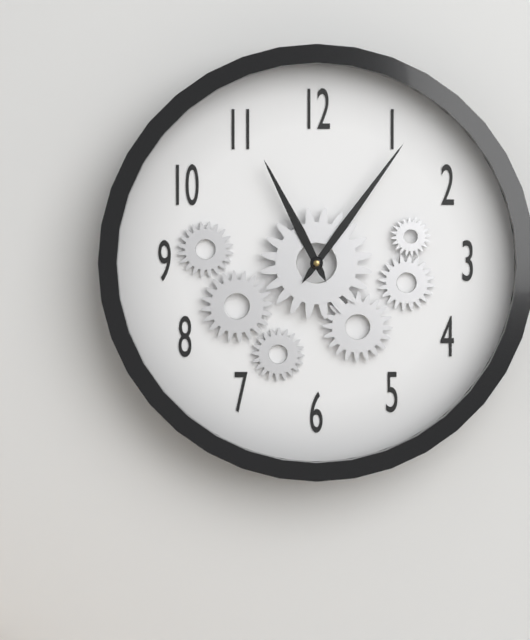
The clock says **11:06**
